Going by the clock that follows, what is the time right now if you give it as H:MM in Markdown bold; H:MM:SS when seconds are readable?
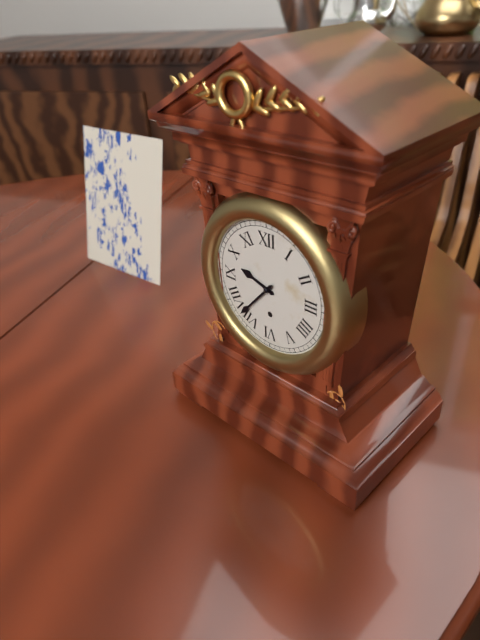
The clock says **9:37**
